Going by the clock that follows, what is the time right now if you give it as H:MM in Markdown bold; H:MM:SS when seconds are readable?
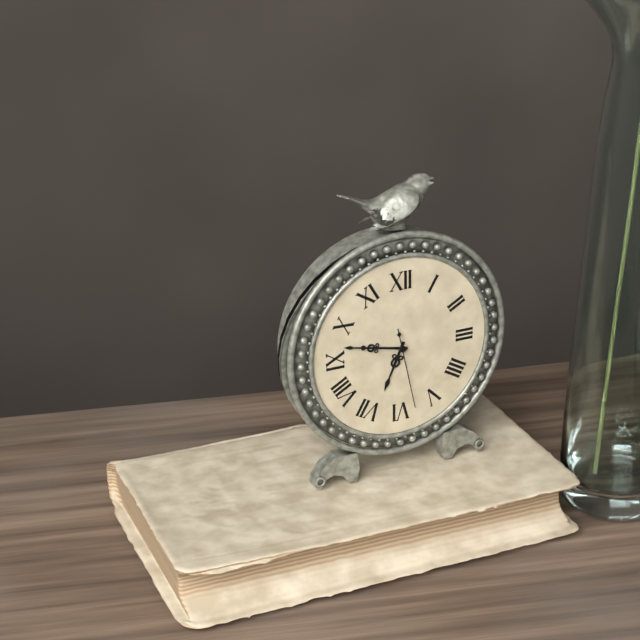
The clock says **6:47:28**
